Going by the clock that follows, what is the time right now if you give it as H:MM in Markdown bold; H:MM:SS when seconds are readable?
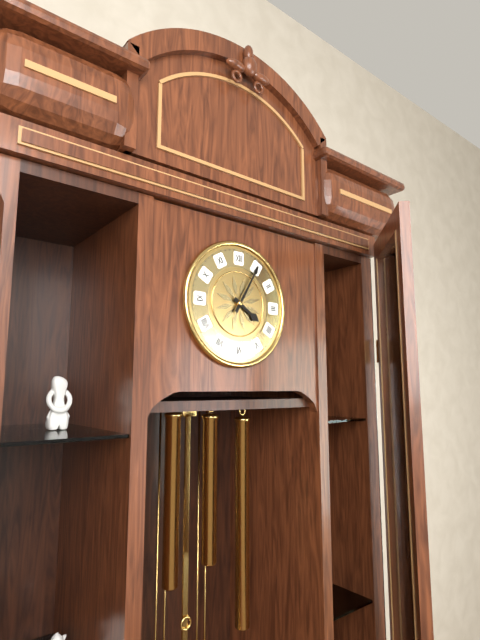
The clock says **4:05**
